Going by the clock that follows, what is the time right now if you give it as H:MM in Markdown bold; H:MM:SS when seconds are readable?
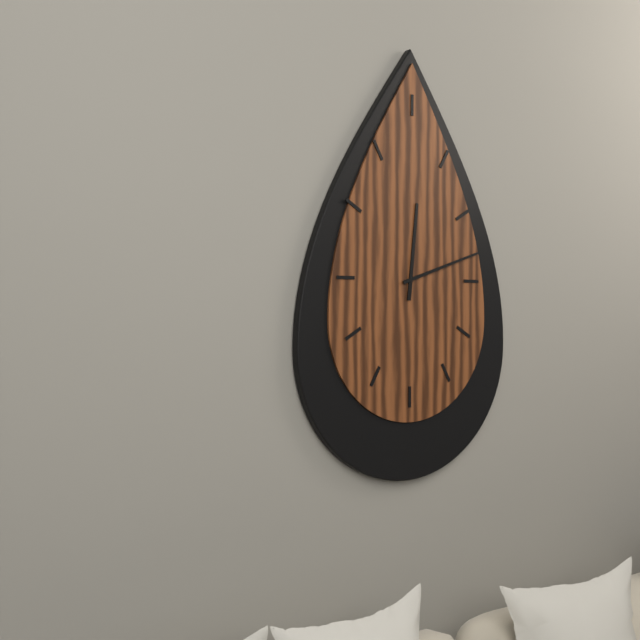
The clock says **12:12**
